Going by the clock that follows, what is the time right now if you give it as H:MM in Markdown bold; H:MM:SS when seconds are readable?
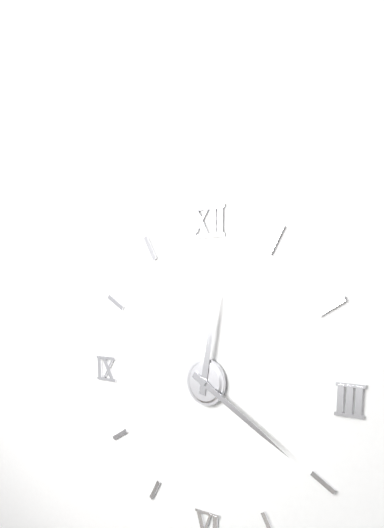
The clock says **12:20**
